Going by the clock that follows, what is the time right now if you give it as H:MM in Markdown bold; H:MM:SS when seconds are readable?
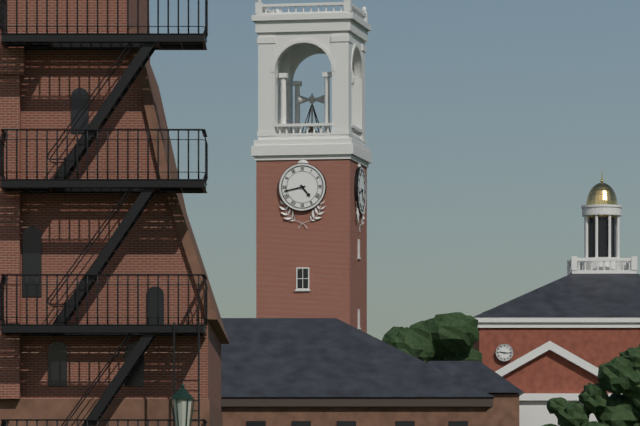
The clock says **4:43**
